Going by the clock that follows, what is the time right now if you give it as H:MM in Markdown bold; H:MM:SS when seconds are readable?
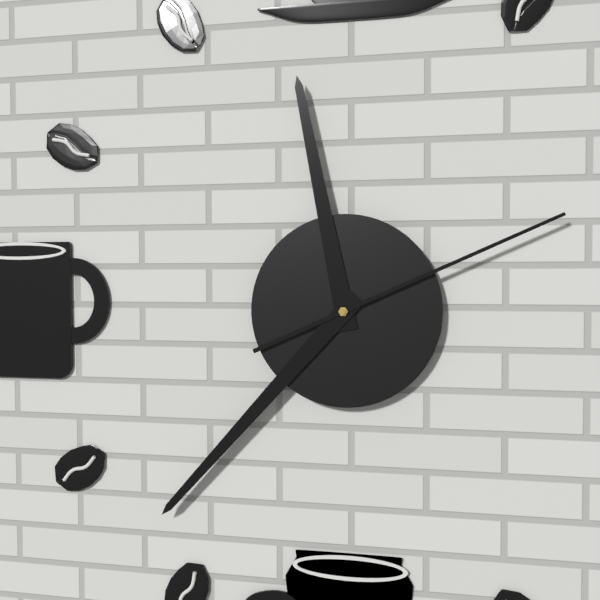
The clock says **11:37:11**
